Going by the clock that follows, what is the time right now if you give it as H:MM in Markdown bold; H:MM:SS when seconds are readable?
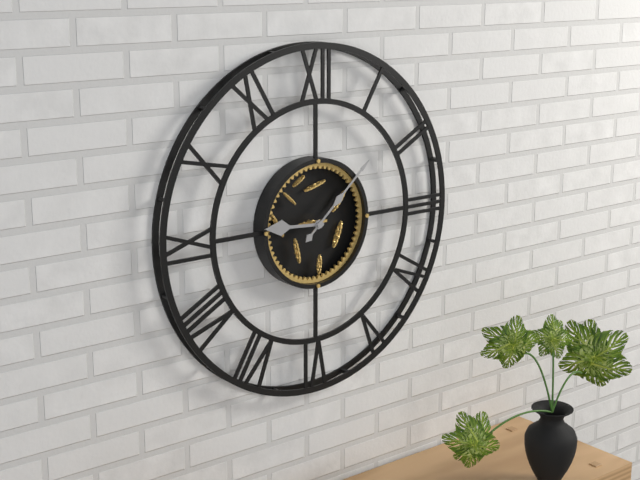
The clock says **9:08**
